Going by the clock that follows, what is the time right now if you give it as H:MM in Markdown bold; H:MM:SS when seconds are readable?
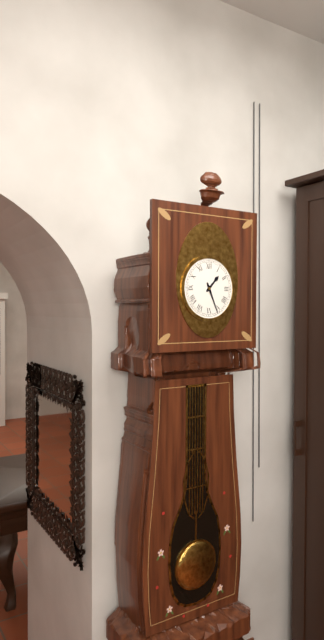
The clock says **1:26**
